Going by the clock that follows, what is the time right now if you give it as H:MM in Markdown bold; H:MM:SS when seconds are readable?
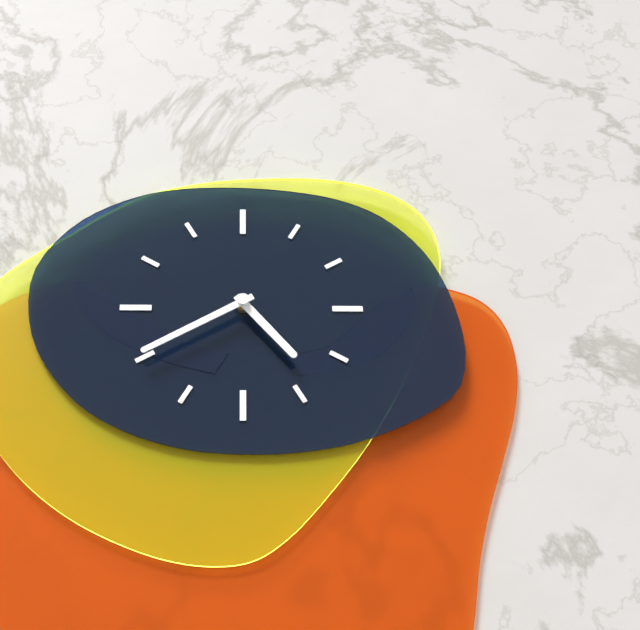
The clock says **4:40**
